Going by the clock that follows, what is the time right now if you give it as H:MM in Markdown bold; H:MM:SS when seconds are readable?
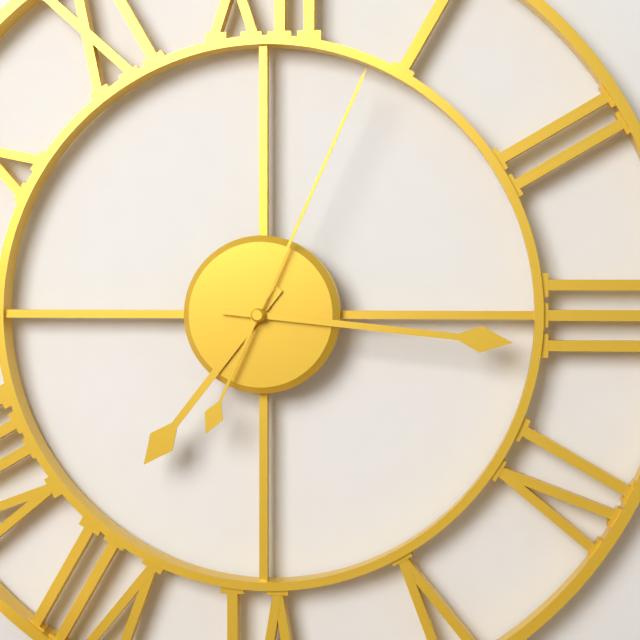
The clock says **7:16:04**
